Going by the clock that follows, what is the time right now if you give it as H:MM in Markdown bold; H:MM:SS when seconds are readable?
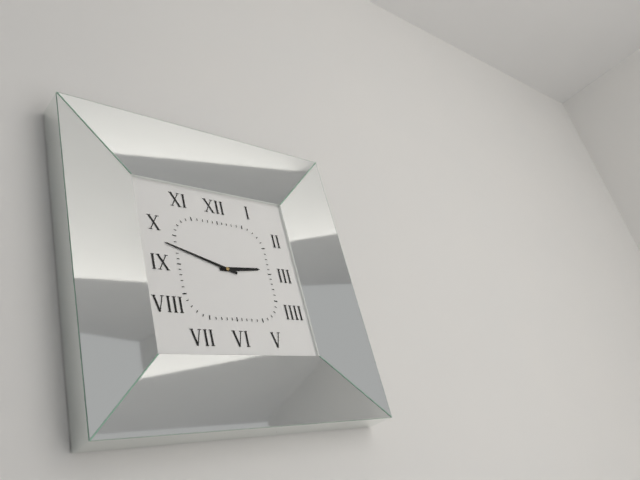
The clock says **2:48**
